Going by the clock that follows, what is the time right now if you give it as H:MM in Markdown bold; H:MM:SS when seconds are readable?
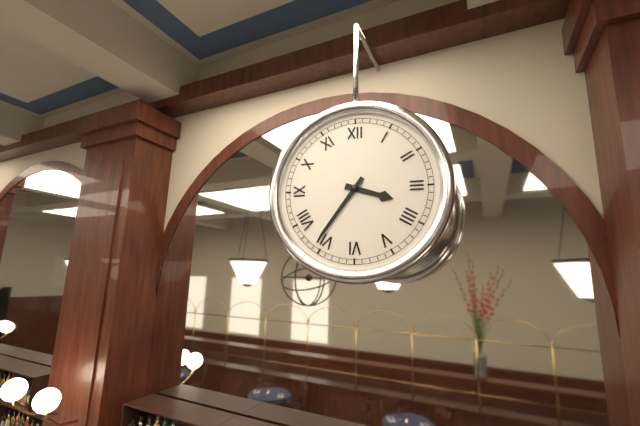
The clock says **3:36**
